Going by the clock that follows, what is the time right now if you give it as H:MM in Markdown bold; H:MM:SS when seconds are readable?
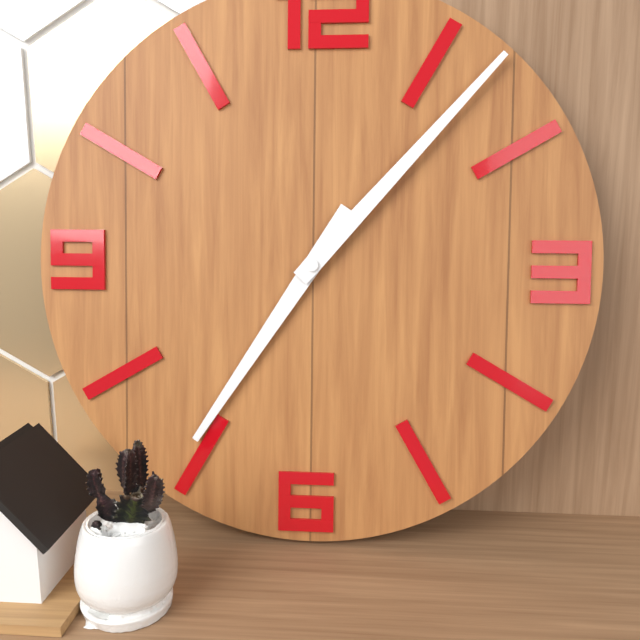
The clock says **7:07**
